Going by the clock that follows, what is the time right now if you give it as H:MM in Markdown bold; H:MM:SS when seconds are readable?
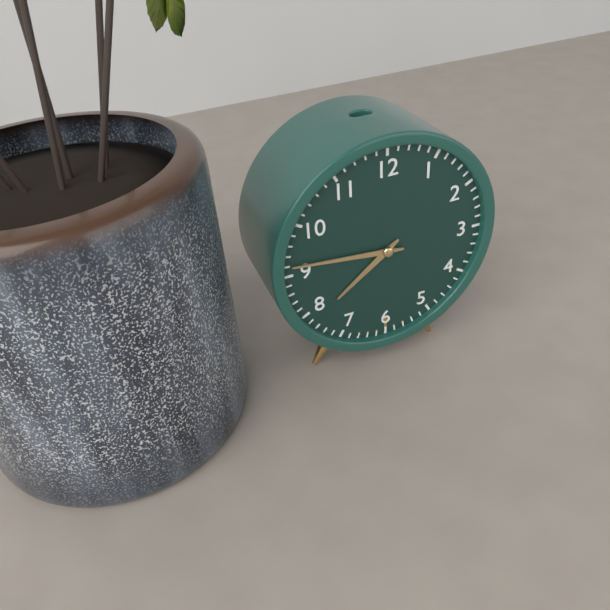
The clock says **7:46**
